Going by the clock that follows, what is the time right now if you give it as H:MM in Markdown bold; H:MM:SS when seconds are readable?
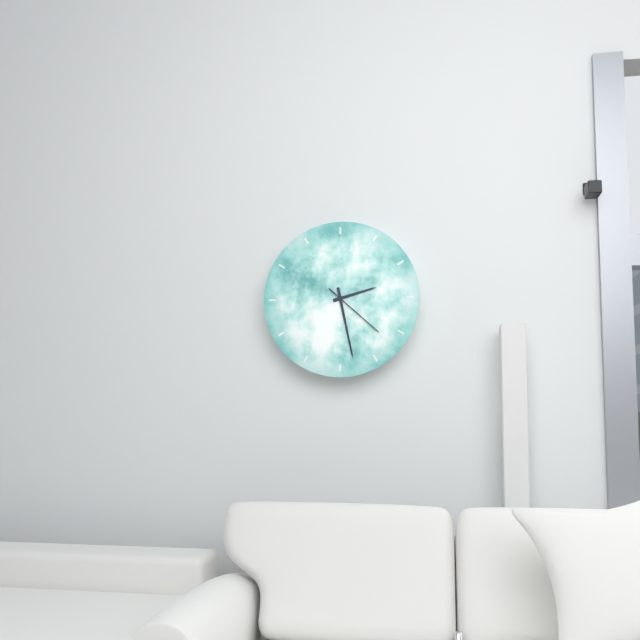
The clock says **2:28:22**
